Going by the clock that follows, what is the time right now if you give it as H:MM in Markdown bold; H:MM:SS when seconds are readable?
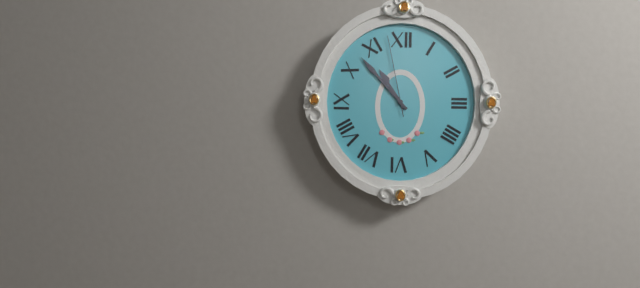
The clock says **10:53:58**
